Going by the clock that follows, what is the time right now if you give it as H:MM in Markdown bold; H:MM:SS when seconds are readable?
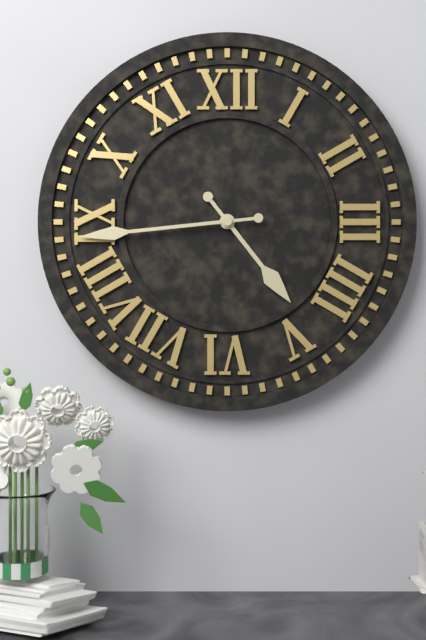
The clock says **4:44**
